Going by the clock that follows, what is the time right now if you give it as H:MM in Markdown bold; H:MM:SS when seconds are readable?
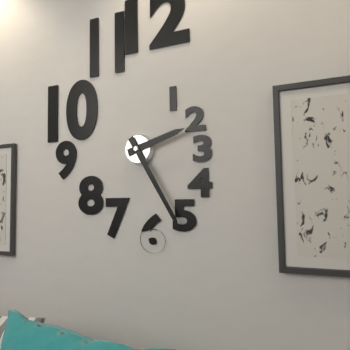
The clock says **2:25**
